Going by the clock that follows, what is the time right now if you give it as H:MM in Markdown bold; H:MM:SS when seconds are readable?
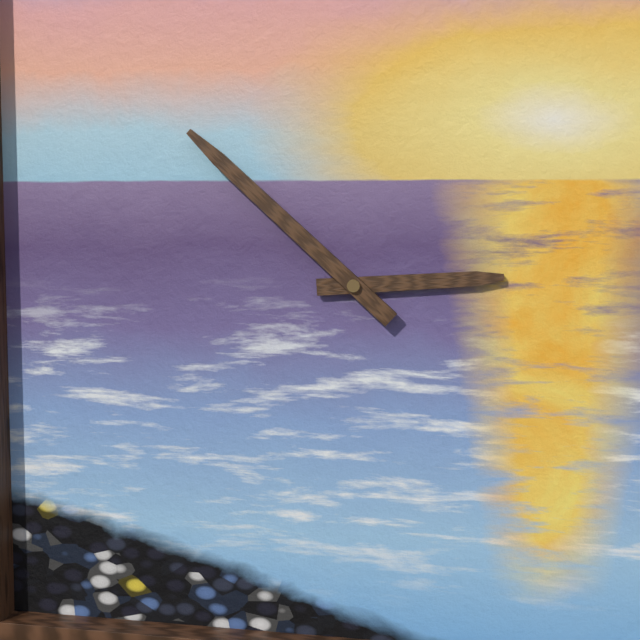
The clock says **2:52**
